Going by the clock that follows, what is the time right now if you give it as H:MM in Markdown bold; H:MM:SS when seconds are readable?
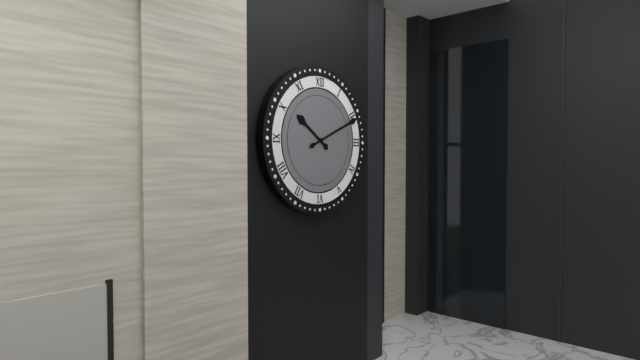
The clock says **10:11**
